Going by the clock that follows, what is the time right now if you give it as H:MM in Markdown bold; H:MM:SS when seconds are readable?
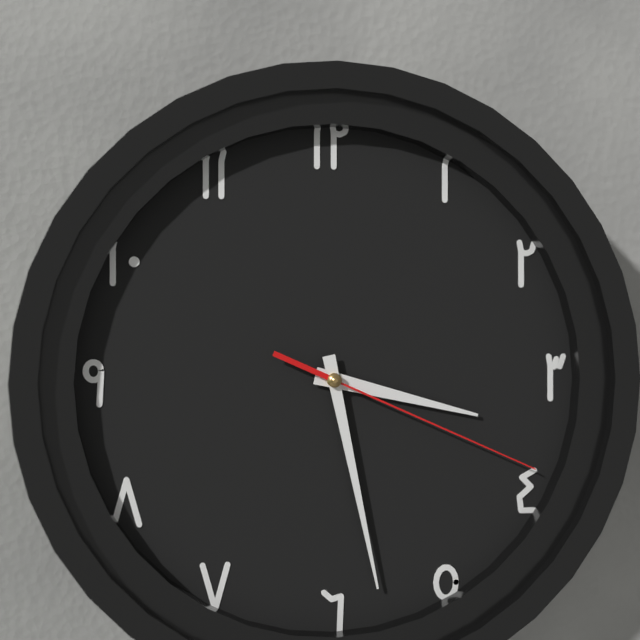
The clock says **3:28:19**
